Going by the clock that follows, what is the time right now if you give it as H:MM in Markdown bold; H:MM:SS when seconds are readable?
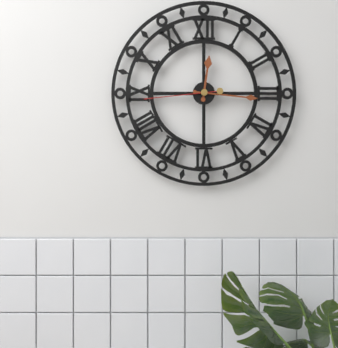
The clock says **12:16:44**
